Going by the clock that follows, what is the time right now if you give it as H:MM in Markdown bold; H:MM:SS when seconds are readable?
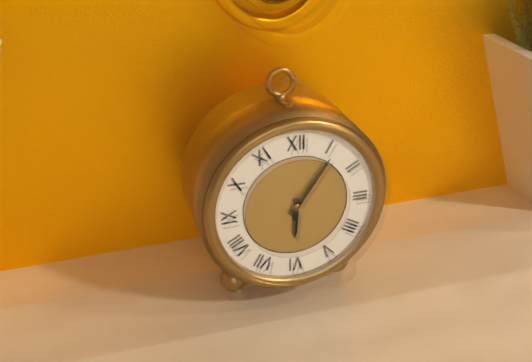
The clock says **6:06**
